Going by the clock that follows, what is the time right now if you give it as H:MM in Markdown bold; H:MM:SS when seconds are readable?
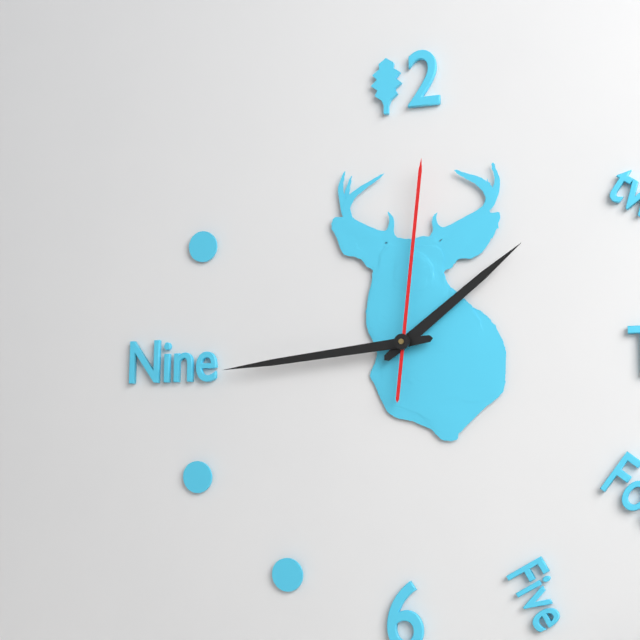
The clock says **1:44:01**
